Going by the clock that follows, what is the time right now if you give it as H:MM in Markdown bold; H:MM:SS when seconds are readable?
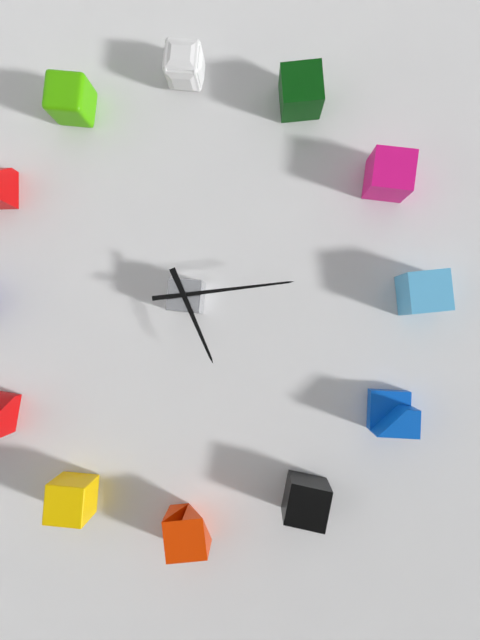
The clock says **5:14**
